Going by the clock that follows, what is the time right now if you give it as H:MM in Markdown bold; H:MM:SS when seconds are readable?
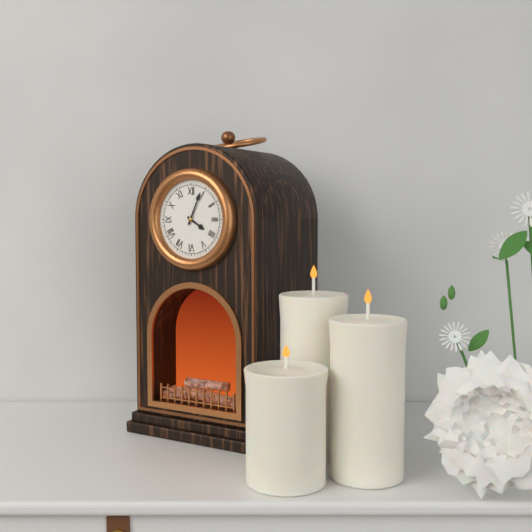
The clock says **4:04**
